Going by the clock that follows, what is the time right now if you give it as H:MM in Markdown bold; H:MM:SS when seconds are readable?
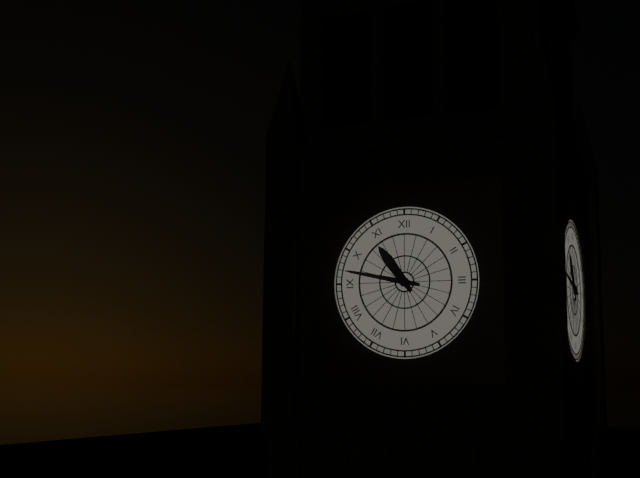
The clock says **10:47**
